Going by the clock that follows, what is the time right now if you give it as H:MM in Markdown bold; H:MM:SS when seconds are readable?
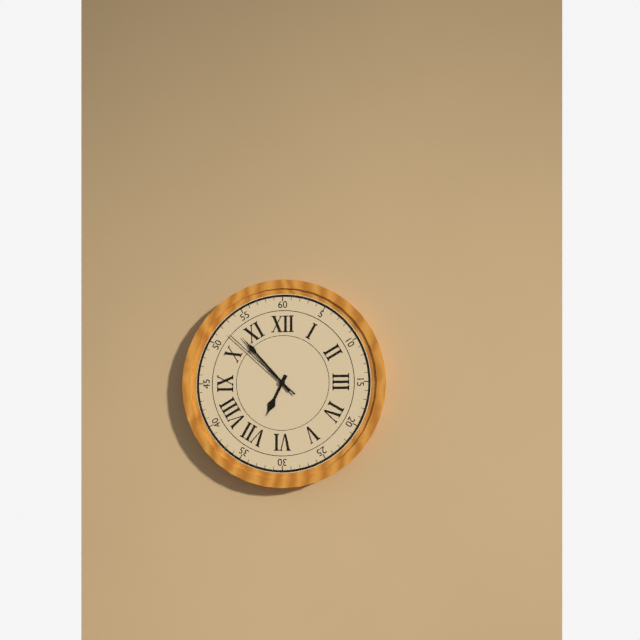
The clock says **6:53:52**
